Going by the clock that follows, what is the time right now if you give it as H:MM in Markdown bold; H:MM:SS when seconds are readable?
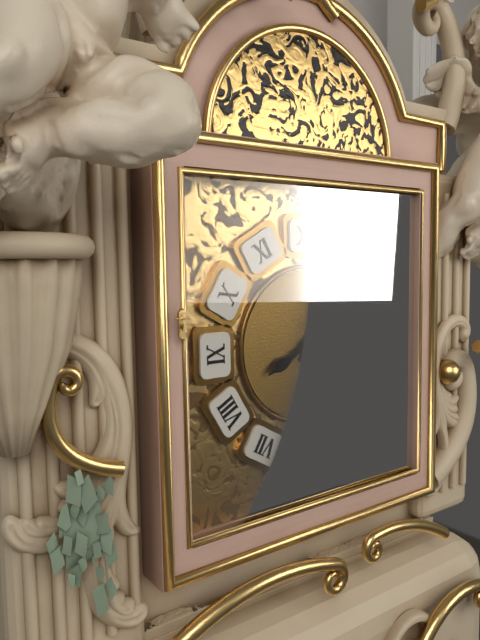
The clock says **8:07**
